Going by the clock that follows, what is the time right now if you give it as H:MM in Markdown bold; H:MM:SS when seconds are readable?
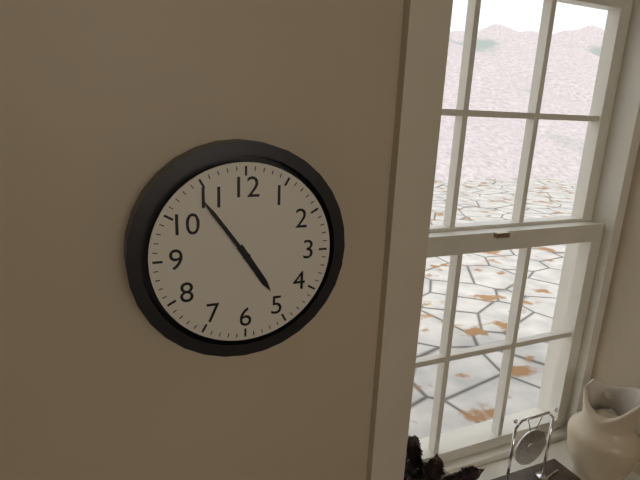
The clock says **4:54**
